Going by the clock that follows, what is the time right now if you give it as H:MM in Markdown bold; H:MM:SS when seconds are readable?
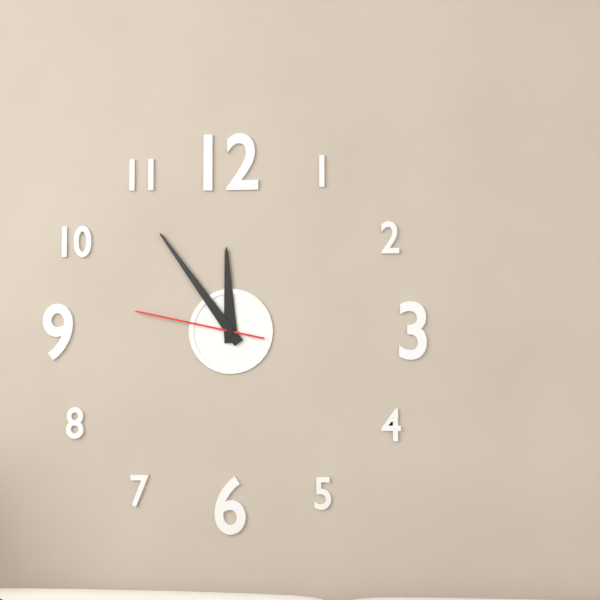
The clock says **11:54:47**
